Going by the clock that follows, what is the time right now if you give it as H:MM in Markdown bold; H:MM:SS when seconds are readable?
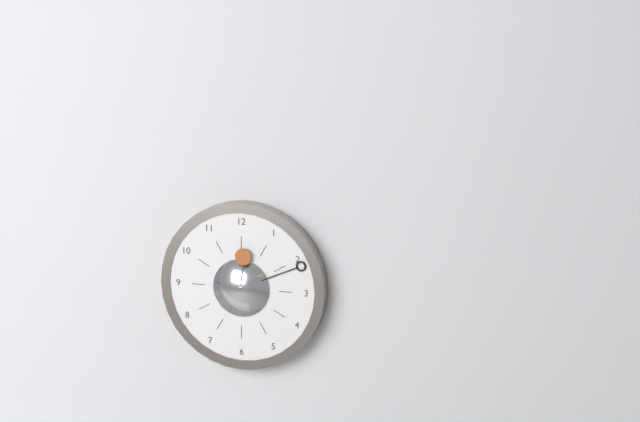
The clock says **12:11**
